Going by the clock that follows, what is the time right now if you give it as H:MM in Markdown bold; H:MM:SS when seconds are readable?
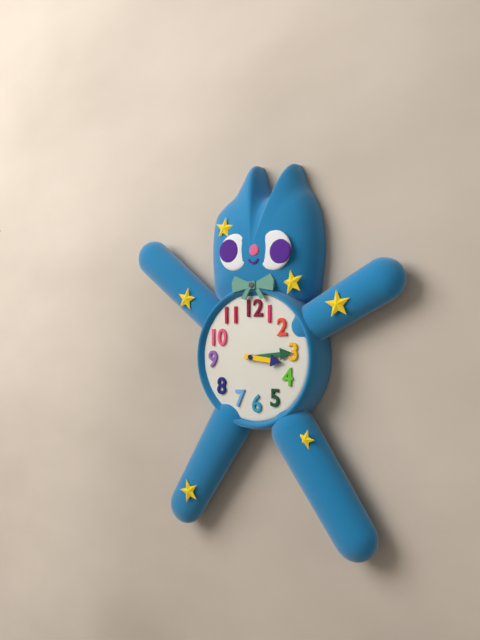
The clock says **3:14**
